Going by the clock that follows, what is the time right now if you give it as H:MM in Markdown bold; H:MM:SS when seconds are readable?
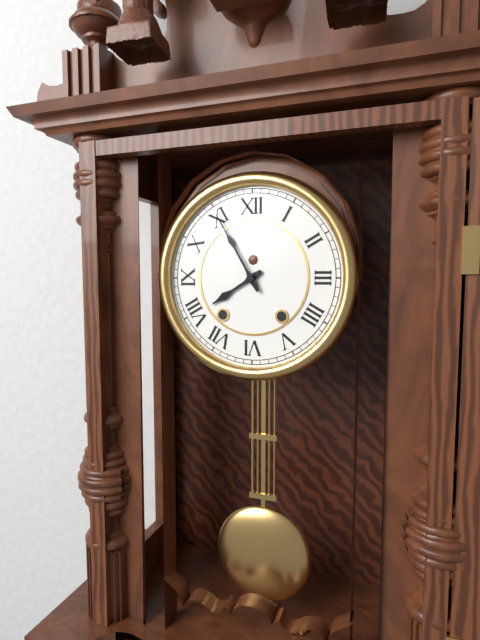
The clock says **7:55**
